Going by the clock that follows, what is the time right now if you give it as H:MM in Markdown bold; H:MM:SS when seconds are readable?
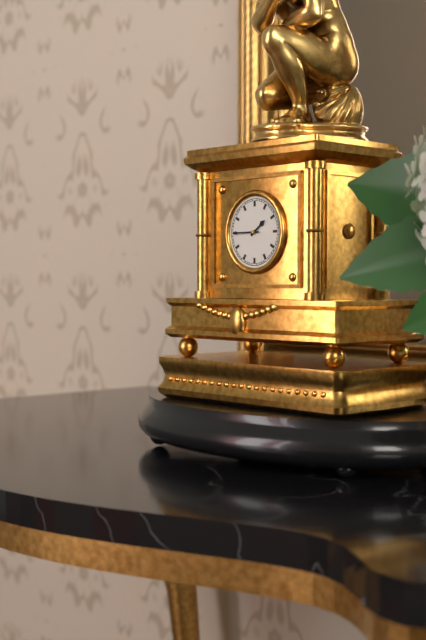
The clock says **1:45**
